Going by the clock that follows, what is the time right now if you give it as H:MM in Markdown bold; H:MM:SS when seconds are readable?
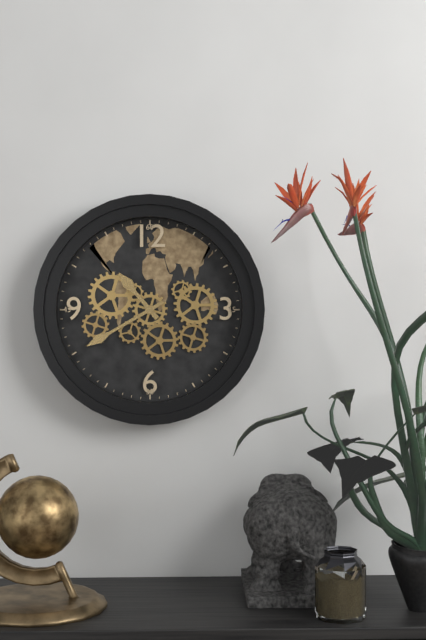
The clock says **10:40**
